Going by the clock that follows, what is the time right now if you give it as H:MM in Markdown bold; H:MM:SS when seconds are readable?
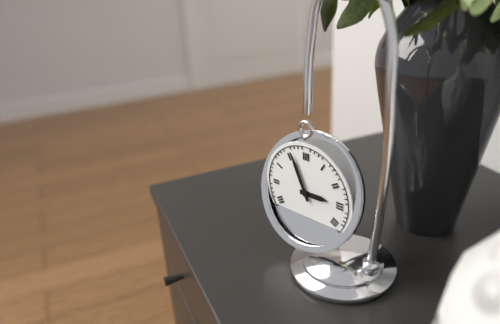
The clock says **2:56**
